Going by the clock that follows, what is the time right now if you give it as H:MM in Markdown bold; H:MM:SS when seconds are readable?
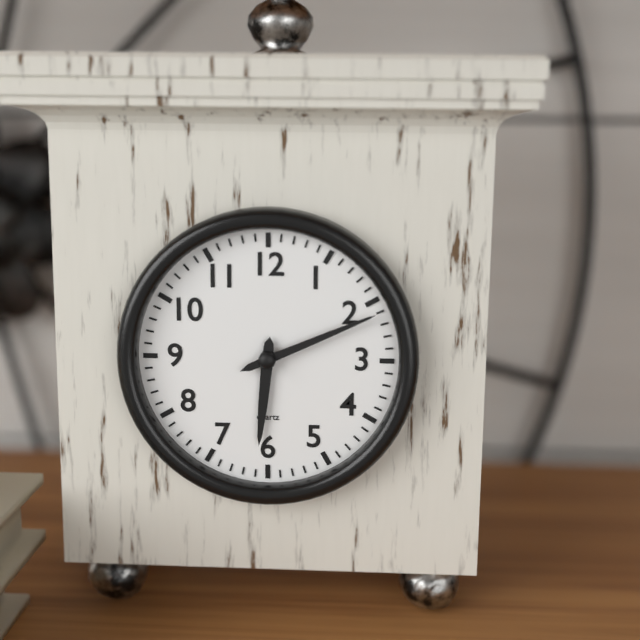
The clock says **6:11**
